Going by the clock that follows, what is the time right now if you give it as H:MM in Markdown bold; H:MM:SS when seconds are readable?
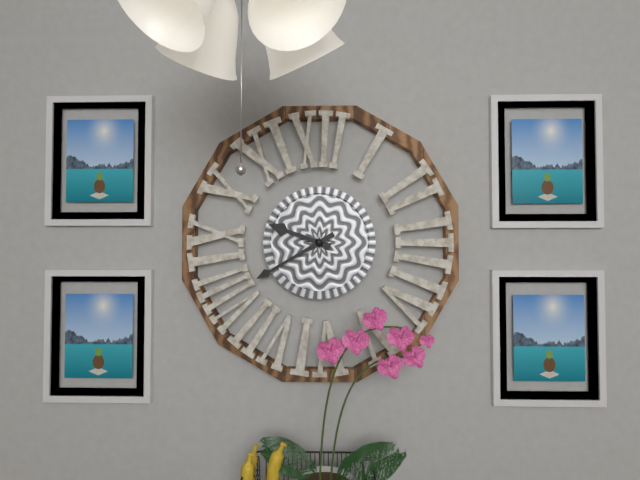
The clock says **9:40**
